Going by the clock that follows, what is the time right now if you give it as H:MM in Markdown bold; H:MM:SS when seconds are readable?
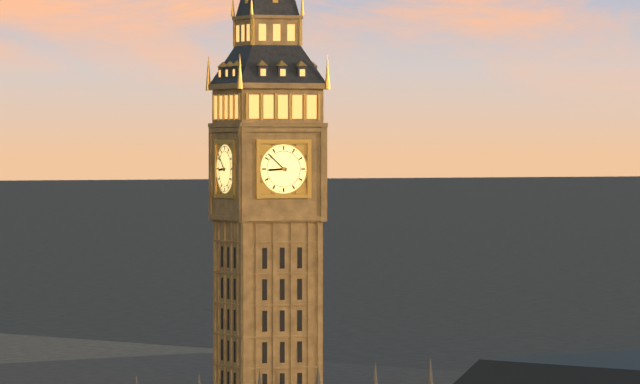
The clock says **8:52**
